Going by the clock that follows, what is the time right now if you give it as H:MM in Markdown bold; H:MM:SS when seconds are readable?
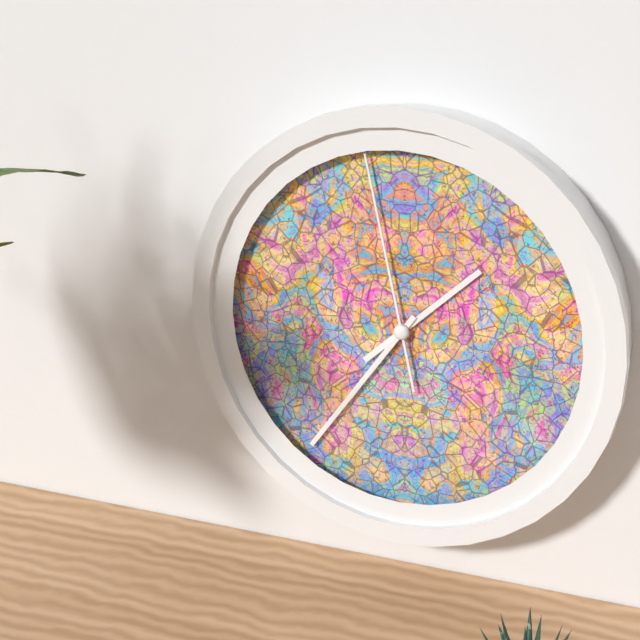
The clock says **1:36:58**
